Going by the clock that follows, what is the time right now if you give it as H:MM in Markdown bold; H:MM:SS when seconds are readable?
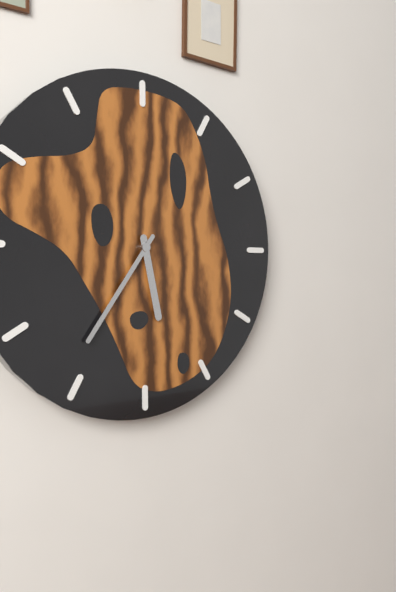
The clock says **5:36**
